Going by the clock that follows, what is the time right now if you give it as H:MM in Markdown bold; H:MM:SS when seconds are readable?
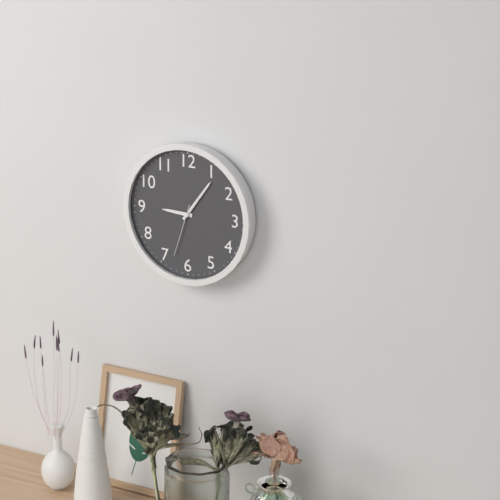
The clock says **9:06:33**
